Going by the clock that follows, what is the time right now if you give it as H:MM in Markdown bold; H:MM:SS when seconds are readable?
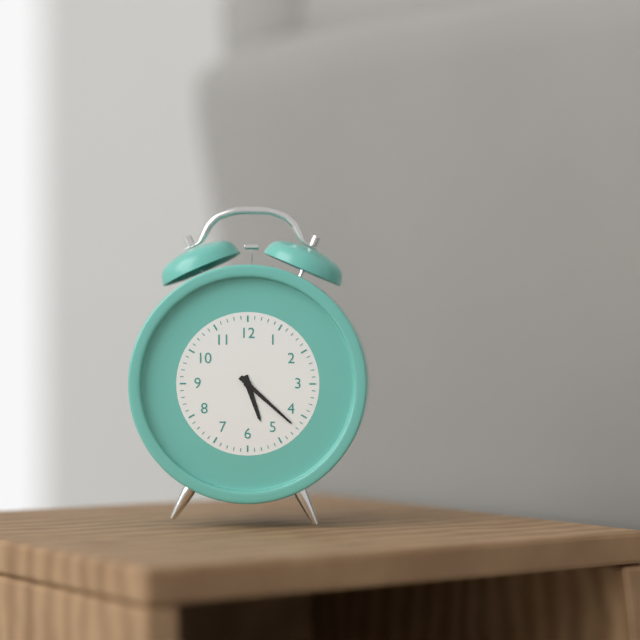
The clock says **5:22**
